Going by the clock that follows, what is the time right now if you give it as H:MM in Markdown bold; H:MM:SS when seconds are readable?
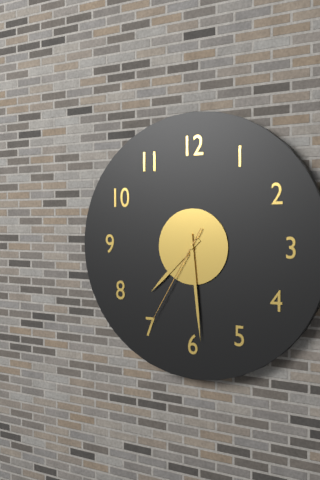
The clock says **7:29:35**
